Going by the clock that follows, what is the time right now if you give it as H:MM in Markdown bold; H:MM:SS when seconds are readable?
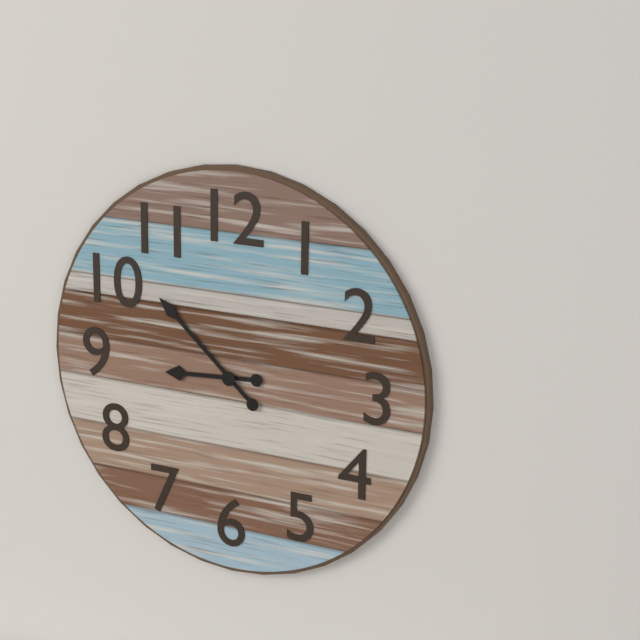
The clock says **8:52**
